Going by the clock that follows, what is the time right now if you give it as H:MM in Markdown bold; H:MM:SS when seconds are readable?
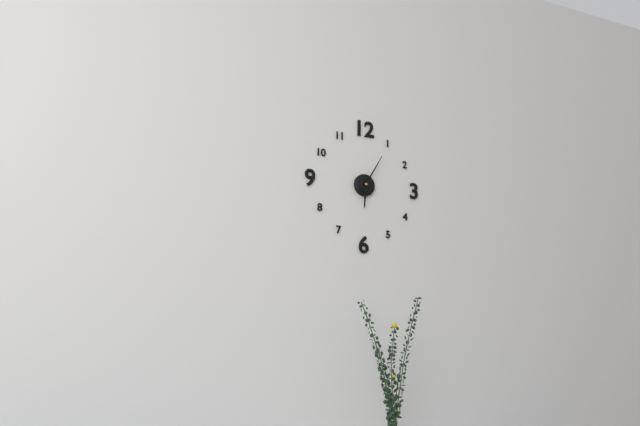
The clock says **6:05**
